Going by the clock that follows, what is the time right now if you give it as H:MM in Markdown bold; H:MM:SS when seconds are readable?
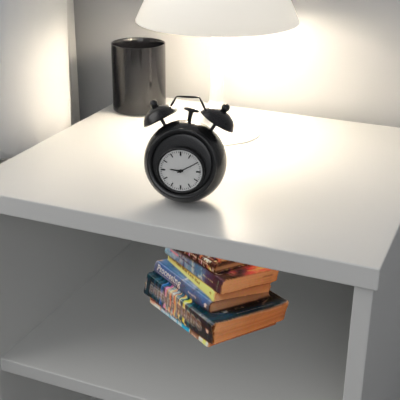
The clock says **9:10**
